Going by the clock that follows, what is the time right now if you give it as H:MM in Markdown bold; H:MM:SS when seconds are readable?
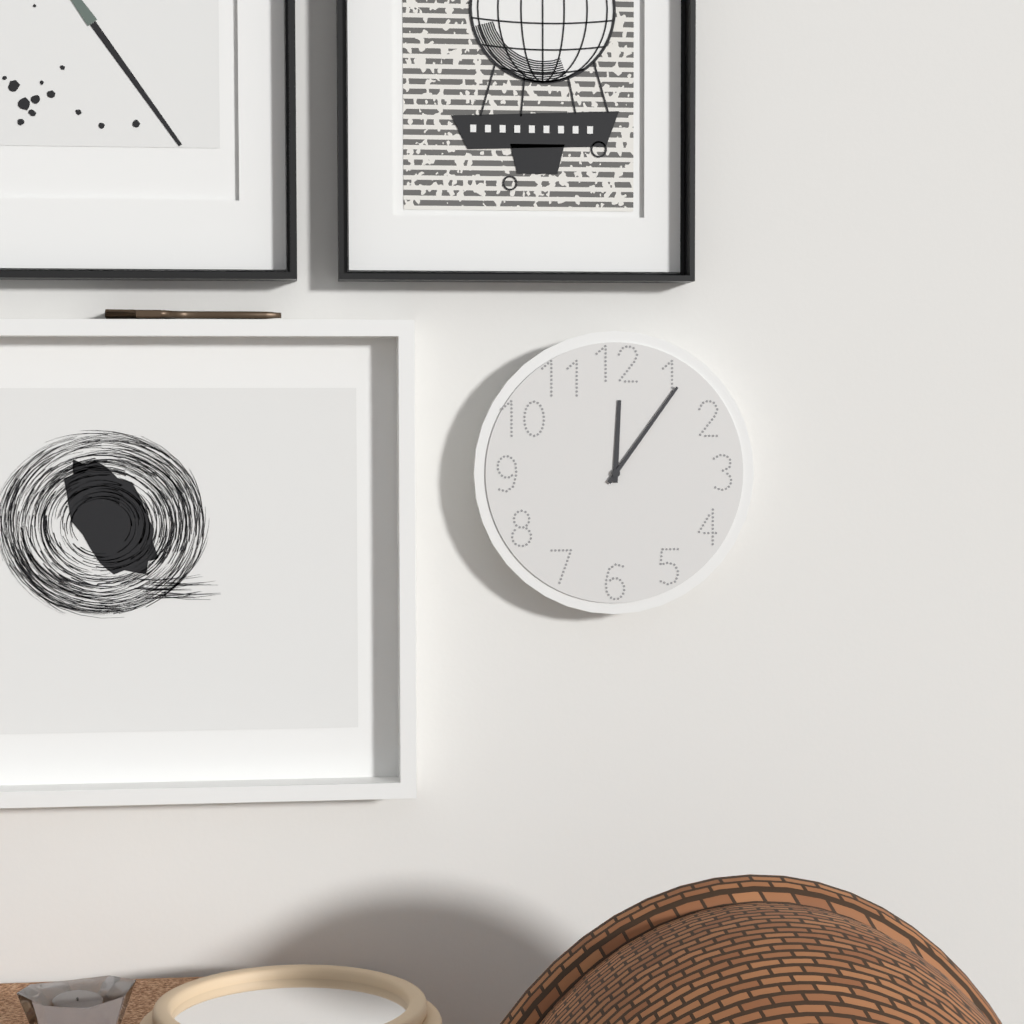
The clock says **12:06**
